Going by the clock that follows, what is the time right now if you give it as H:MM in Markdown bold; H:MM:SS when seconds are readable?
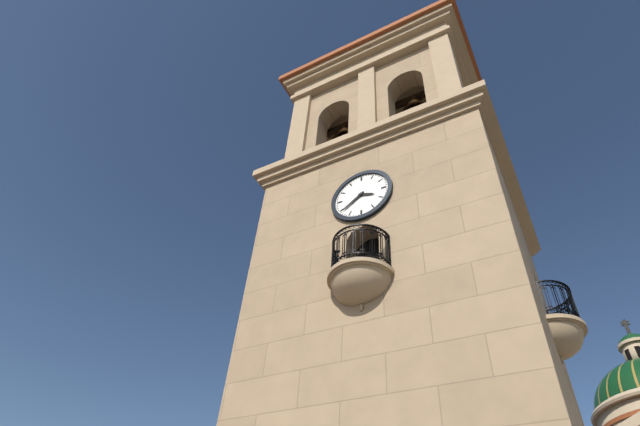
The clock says **3:39**
